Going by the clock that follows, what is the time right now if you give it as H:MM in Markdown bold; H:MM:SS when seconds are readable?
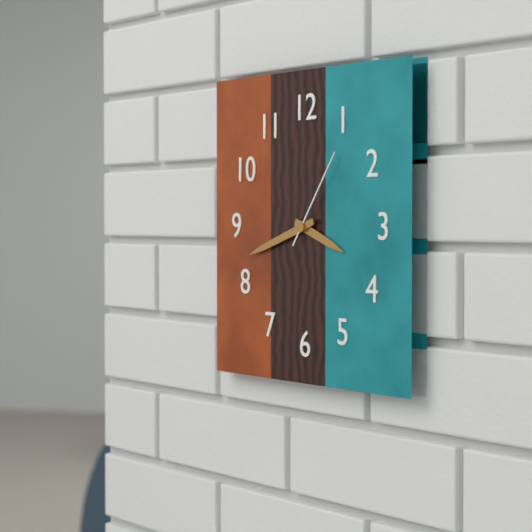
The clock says **3:42:06**
